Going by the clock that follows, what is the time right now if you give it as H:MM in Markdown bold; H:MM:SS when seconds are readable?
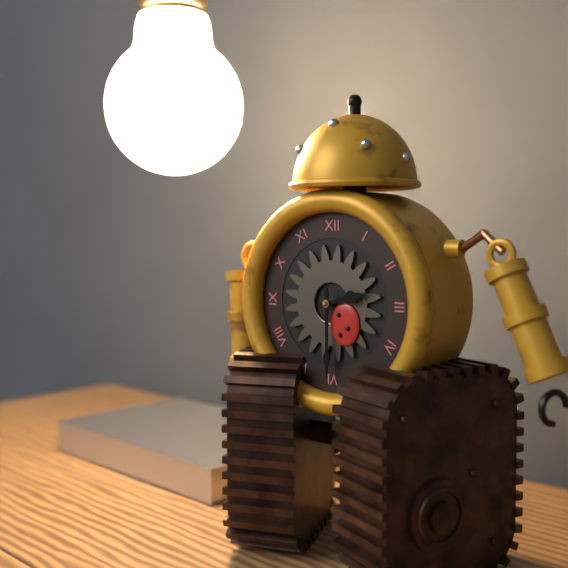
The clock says **2:30**
